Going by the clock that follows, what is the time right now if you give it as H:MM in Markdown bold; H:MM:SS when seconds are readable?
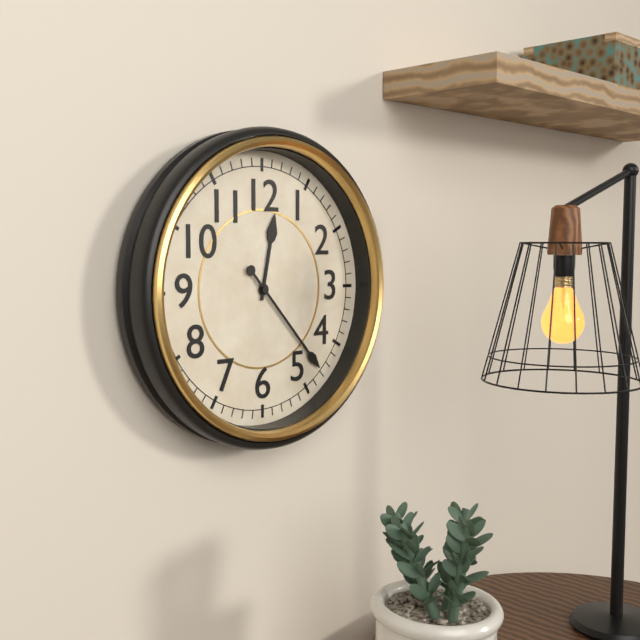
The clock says **12:23**
